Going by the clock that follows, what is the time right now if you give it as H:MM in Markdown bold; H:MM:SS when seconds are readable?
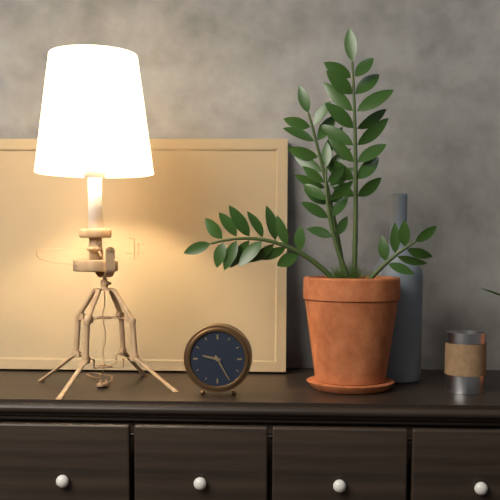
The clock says **9:25**
